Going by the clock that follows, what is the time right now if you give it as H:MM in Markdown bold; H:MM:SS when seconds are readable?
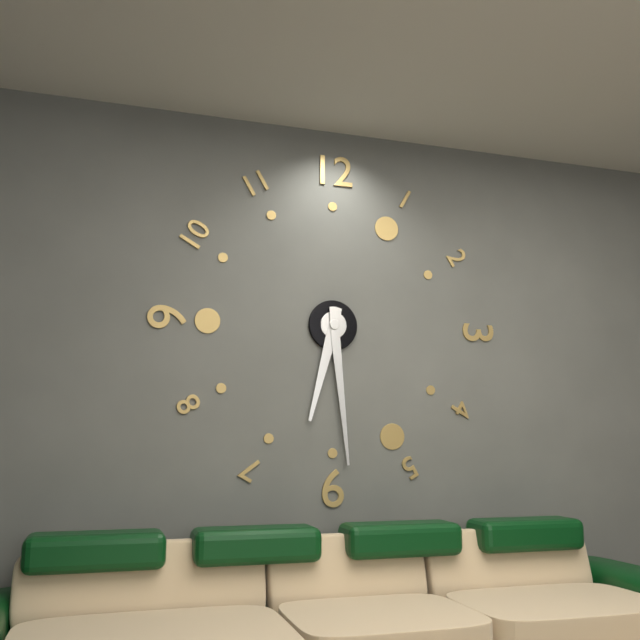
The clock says **6:29**
